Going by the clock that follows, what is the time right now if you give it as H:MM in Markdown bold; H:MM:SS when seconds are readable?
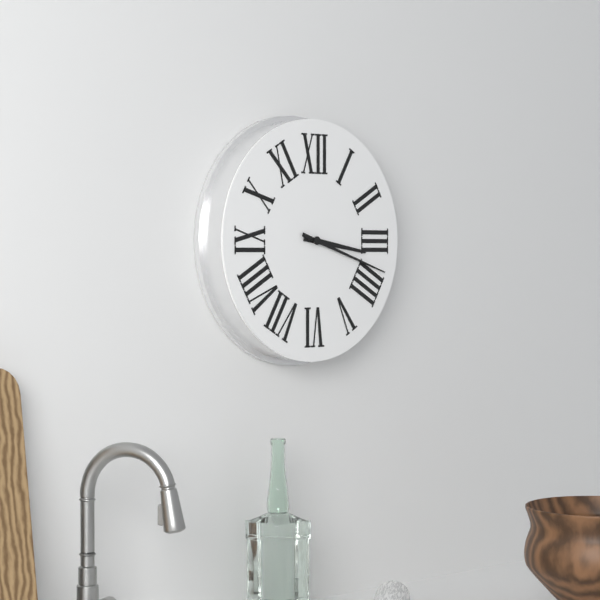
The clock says **3:18**
